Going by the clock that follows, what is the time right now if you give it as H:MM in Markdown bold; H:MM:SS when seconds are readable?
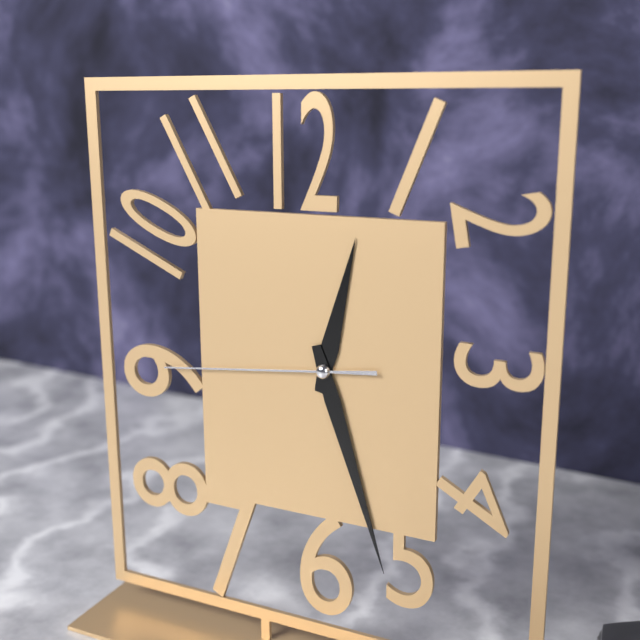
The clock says **12:27:44**
